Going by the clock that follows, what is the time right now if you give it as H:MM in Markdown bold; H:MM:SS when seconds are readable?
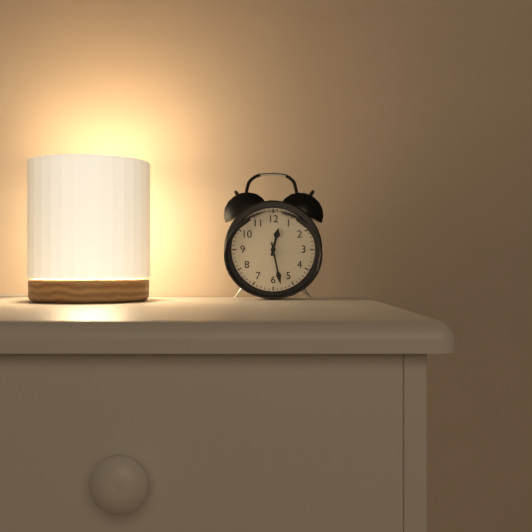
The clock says **12:28**
